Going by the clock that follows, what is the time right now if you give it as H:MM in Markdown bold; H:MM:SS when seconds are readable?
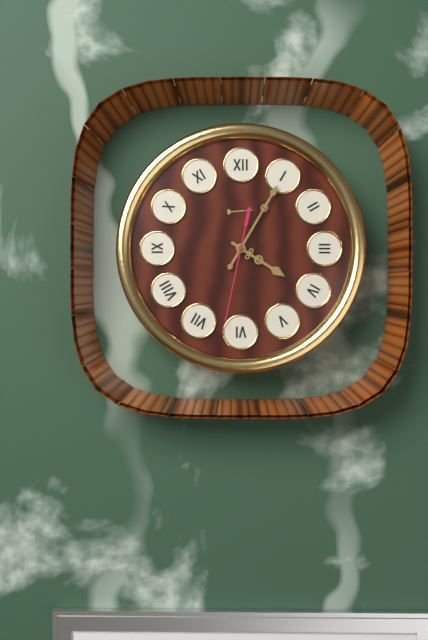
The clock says **4:05:32**
